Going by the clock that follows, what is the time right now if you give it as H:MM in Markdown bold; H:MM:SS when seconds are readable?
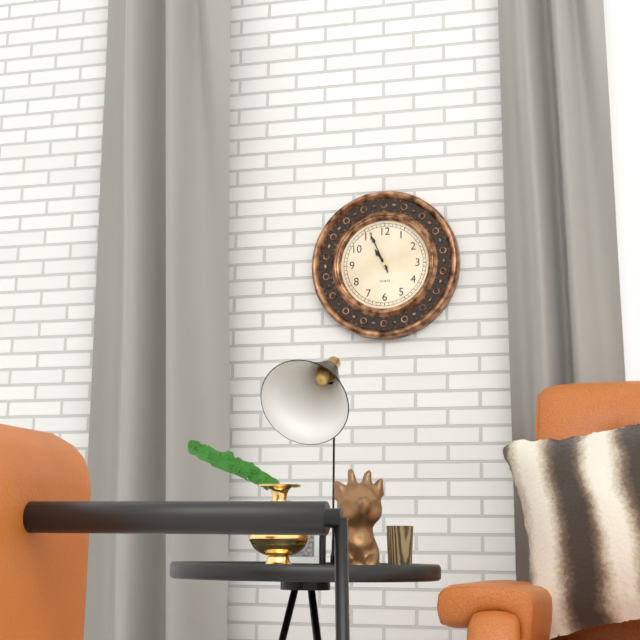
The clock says **10:56**
